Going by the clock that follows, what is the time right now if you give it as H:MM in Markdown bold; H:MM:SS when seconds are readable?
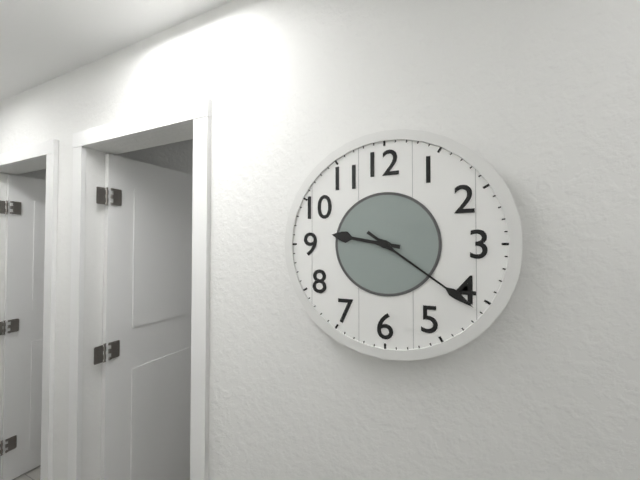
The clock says **9:21**
